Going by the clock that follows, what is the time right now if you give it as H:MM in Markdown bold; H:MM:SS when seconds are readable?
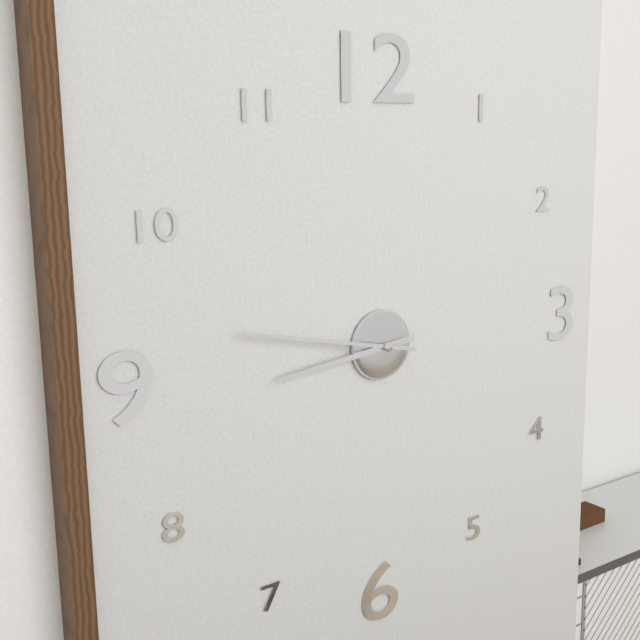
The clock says **8:47**
